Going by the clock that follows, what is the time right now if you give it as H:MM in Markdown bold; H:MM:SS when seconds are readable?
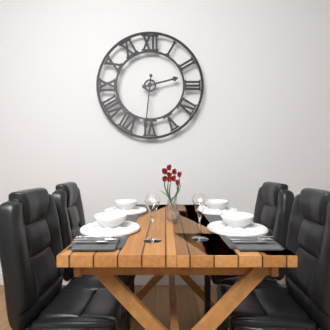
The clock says **2:31**
